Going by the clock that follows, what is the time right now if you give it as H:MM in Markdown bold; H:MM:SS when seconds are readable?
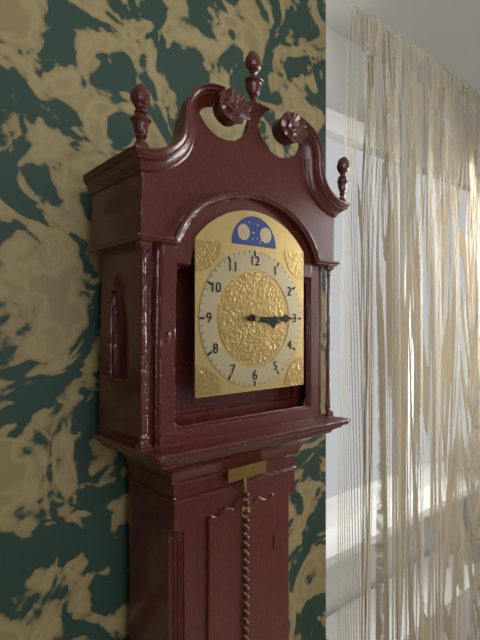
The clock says **3:15**
